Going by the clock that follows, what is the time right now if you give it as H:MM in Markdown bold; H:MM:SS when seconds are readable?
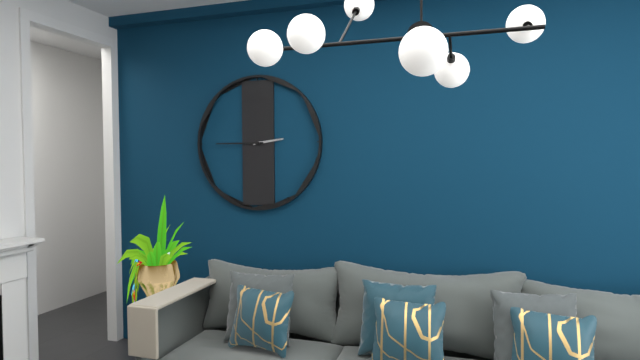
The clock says **2:45**
